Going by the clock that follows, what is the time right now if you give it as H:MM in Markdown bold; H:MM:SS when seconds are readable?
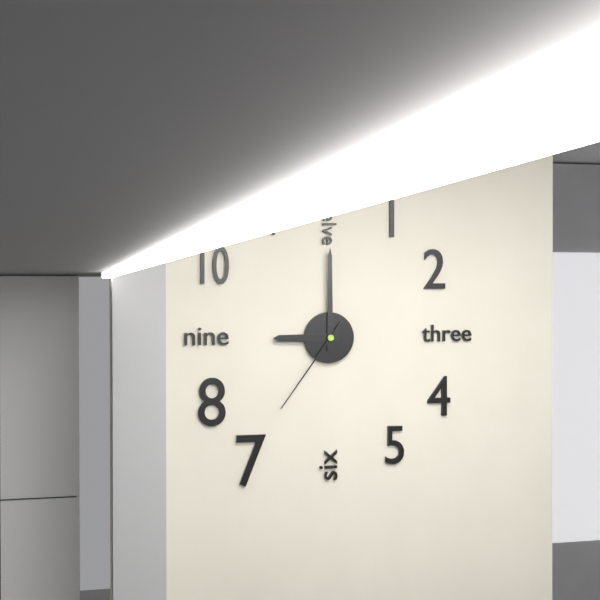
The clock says **9:00:36**
